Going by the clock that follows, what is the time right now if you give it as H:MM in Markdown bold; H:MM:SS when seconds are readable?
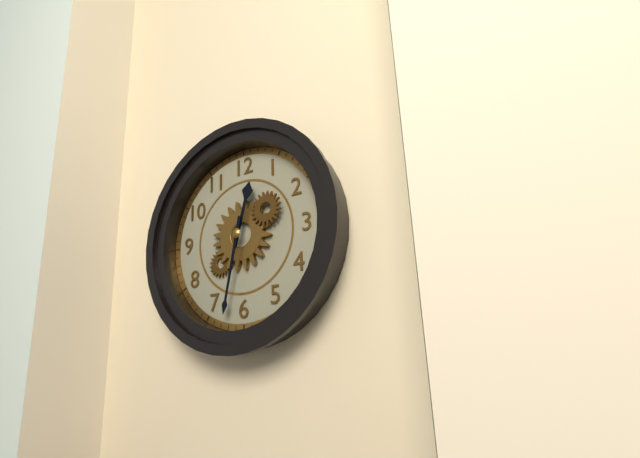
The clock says **12:32**
